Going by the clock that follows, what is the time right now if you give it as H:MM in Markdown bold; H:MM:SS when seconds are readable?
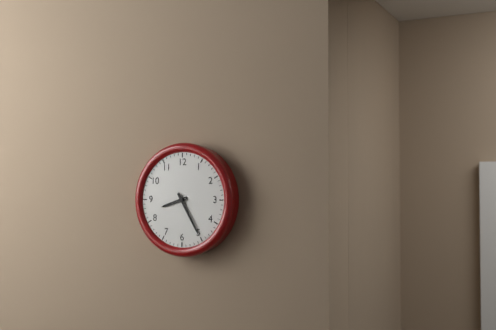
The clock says **8:25**
